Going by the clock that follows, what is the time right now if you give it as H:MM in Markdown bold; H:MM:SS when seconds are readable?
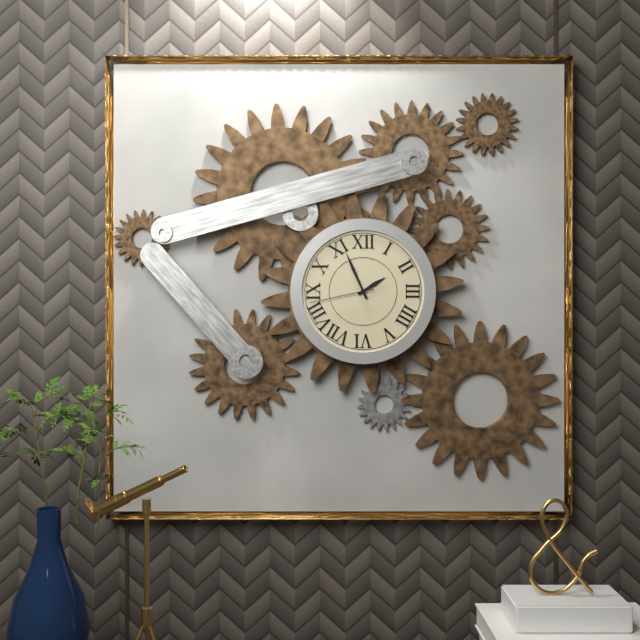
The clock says **1:56:43**
